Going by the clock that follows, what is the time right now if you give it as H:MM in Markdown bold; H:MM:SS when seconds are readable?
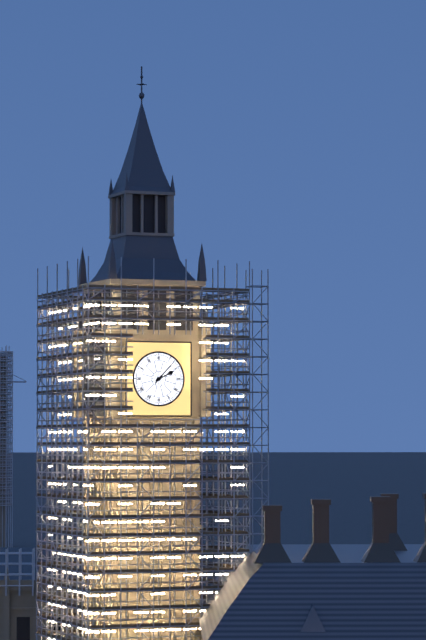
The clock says **2:07**
